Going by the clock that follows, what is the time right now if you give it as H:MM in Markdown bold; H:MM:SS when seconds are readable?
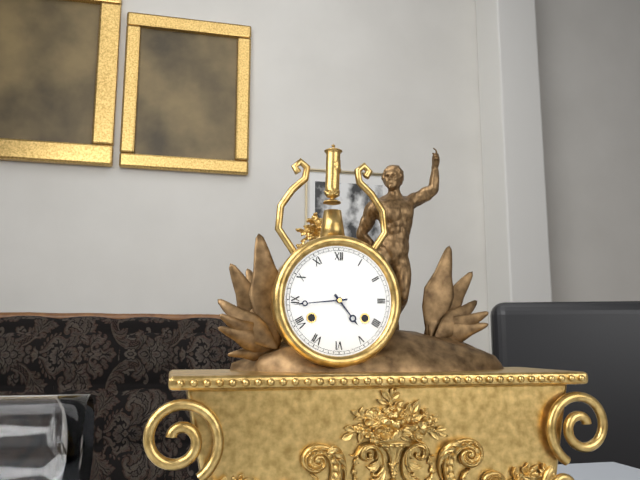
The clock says **4:44**
